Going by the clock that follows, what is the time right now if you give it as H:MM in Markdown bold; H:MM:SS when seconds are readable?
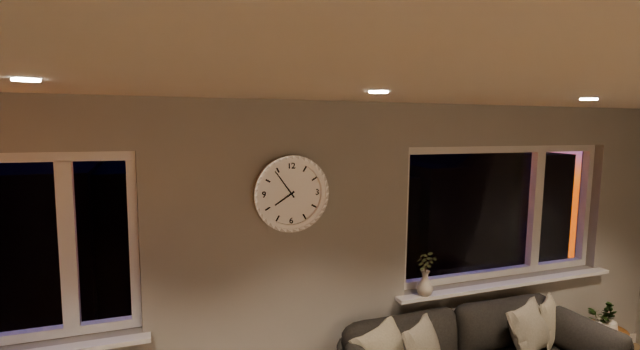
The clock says **7:54**
